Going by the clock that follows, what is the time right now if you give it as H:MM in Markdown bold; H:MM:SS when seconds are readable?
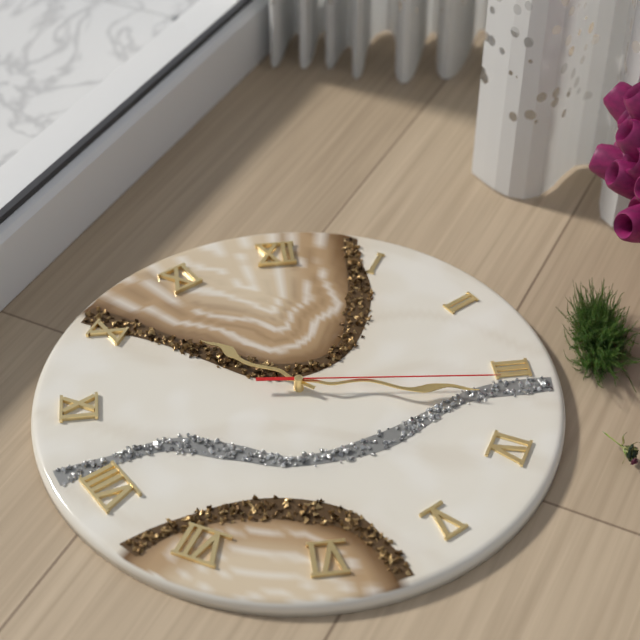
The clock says **10:17:16**
